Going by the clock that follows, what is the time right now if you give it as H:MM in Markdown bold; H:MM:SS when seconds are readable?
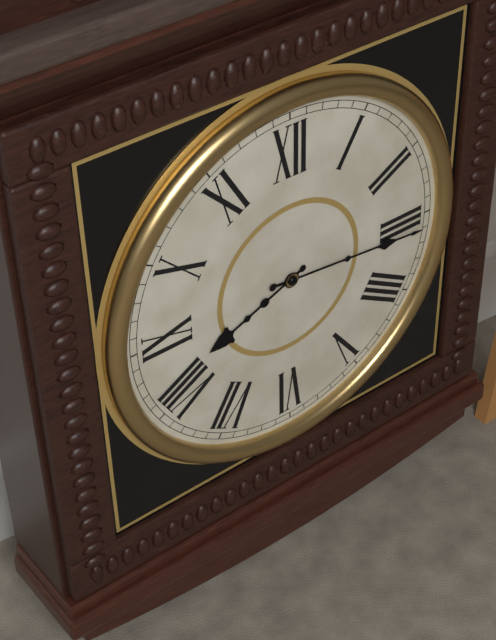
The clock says **8:16**
